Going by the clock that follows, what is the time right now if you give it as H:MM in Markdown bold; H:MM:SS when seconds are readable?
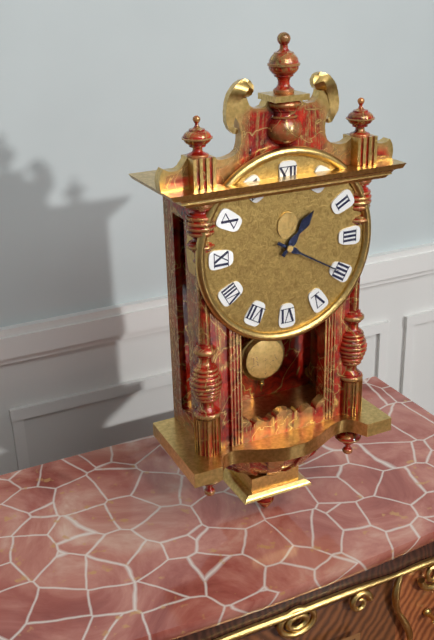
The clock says **1:20**
